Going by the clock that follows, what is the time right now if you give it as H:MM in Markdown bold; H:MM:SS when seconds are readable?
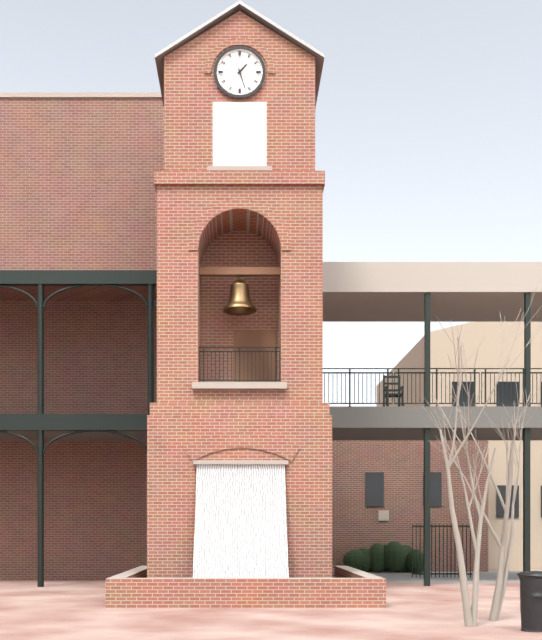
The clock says **1:27**
